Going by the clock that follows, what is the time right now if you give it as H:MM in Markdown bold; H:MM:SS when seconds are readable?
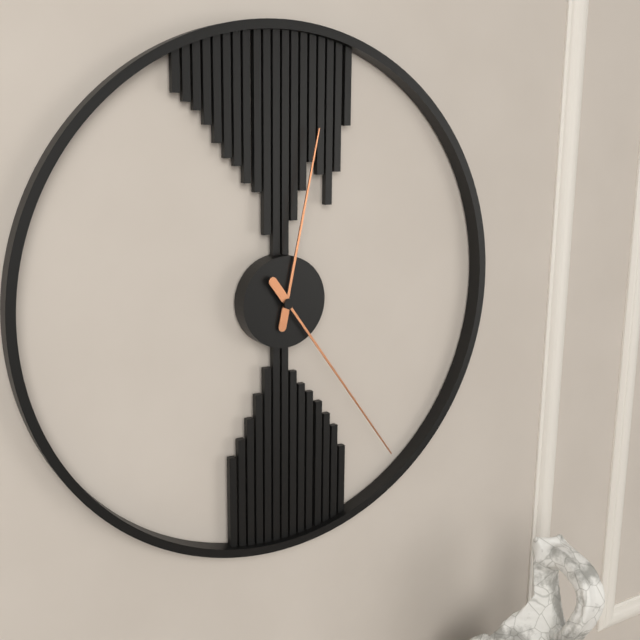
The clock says **12:24**
